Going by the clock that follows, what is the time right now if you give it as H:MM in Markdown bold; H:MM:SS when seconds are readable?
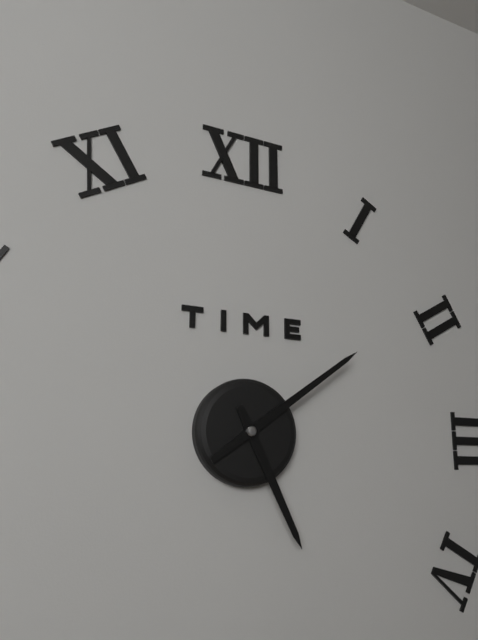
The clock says **5:09**
